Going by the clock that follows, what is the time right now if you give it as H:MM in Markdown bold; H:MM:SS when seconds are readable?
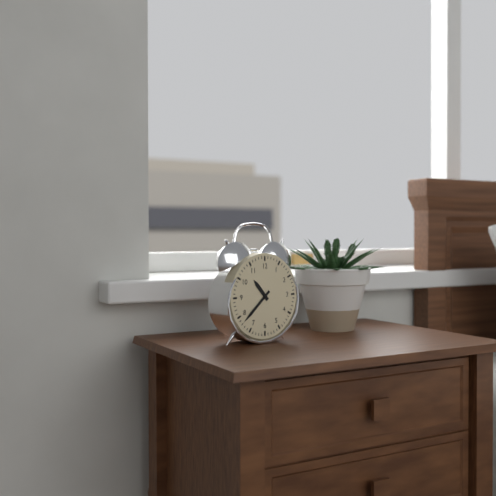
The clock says **10:38**
